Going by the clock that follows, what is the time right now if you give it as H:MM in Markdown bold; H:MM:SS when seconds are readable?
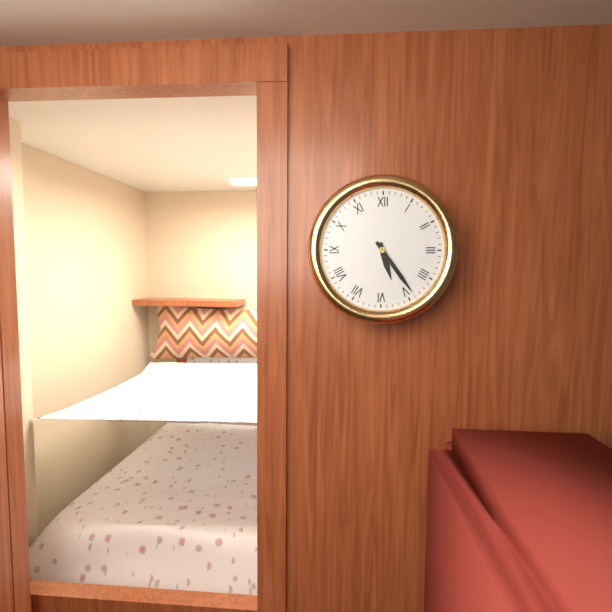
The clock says **5:24**
